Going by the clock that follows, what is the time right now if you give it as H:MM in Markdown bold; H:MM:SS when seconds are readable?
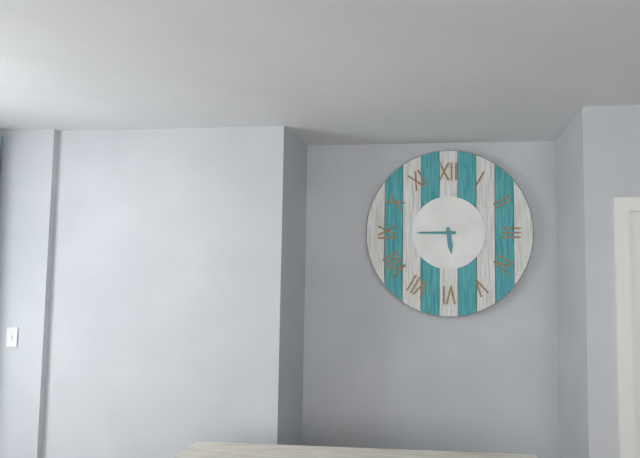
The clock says **5:45**
